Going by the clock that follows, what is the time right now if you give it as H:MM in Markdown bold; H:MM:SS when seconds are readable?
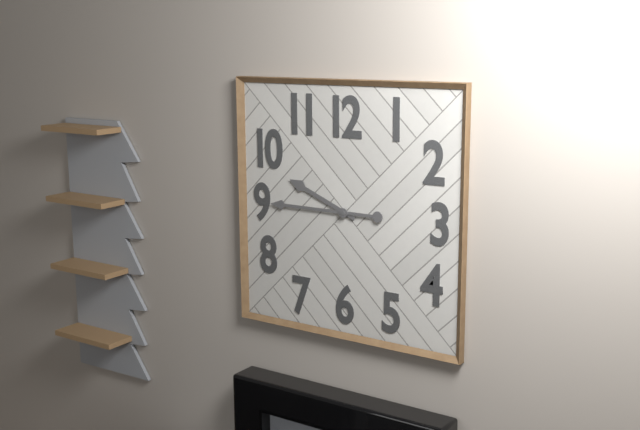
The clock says **9:45**
